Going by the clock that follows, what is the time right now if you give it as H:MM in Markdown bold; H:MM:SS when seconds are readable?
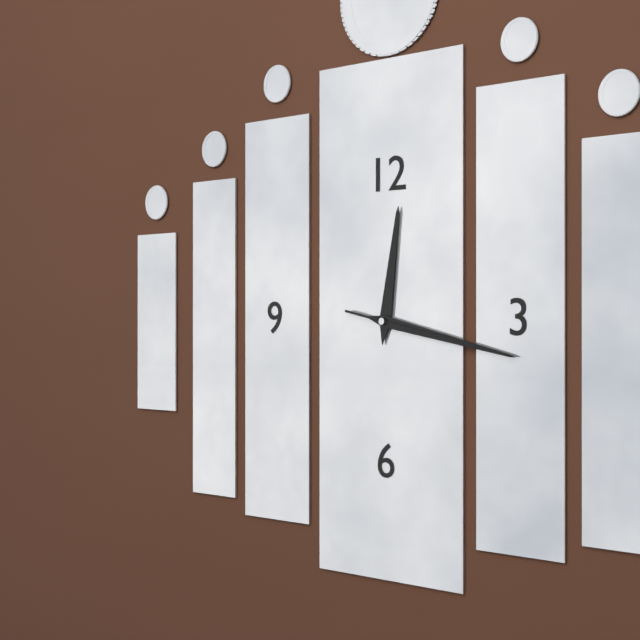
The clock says **12:17:17**
